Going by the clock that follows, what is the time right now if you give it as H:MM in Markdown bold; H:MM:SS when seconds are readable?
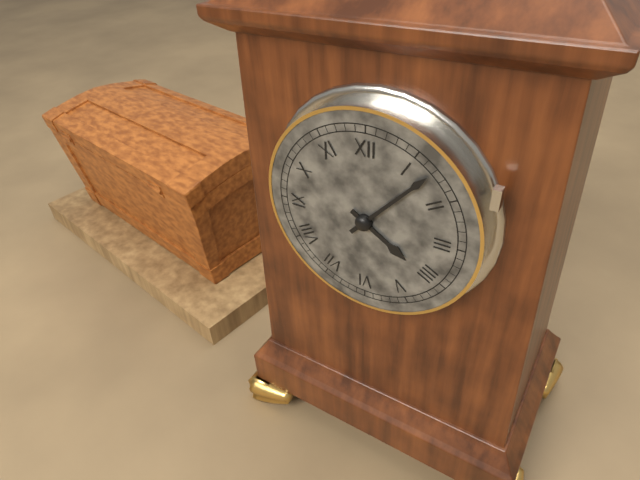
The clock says **4:07**
